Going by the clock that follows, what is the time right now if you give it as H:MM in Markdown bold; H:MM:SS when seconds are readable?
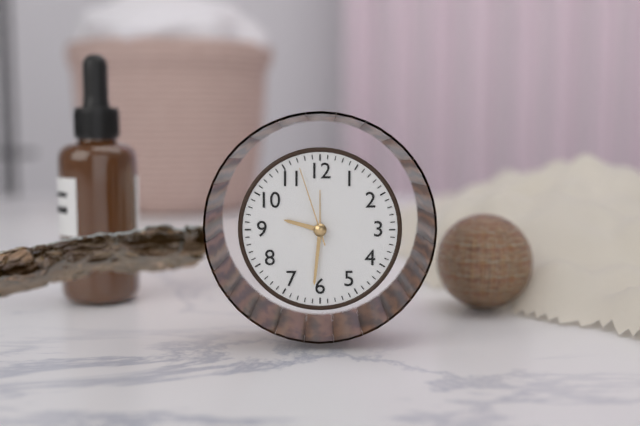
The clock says **9:31:57**
